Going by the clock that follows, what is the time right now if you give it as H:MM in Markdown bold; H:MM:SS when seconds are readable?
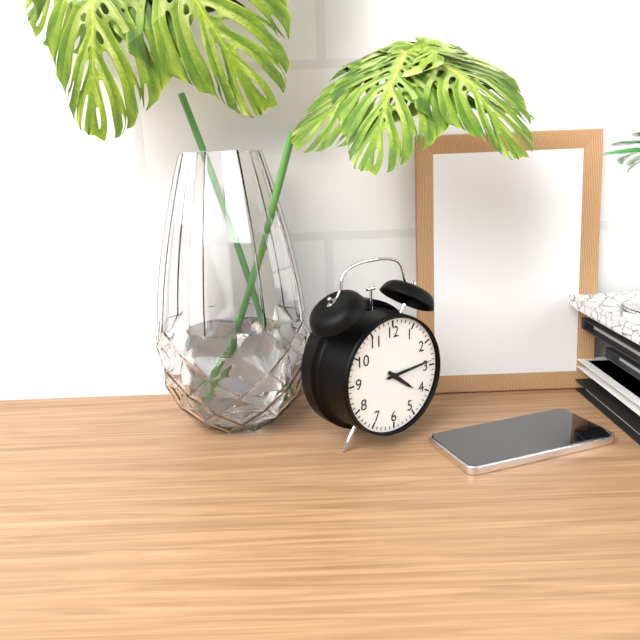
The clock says **4:14**
